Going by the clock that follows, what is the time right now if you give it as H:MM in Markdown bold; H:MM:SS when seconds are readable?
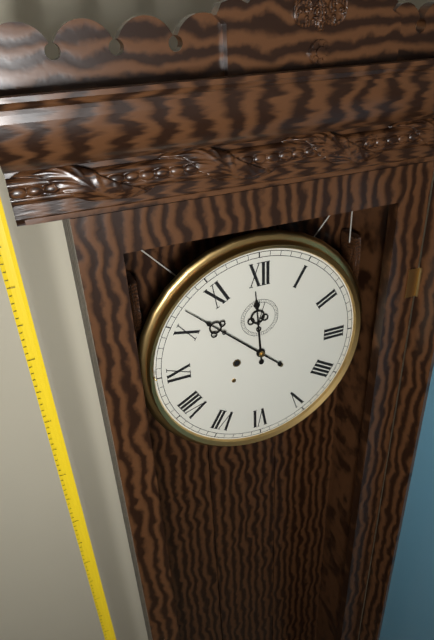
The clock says **11:52**
